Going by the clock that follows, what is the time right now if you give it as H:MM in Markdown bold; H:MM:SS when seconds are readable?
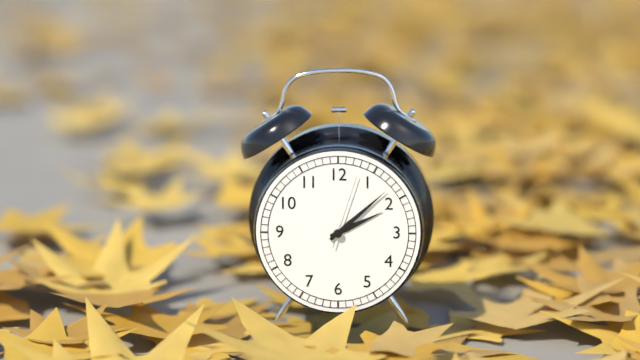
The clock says **2:08:03**
